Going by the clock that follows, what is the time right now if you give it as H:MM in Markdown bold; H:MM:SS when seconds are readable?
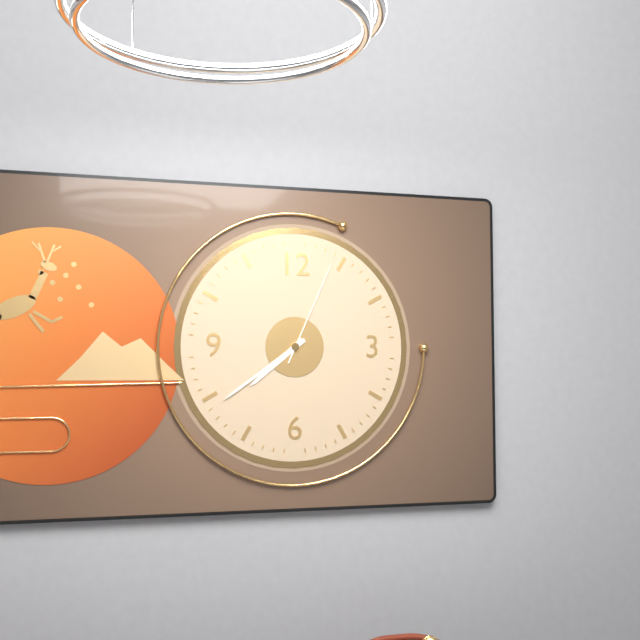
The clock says **7:39:04**
